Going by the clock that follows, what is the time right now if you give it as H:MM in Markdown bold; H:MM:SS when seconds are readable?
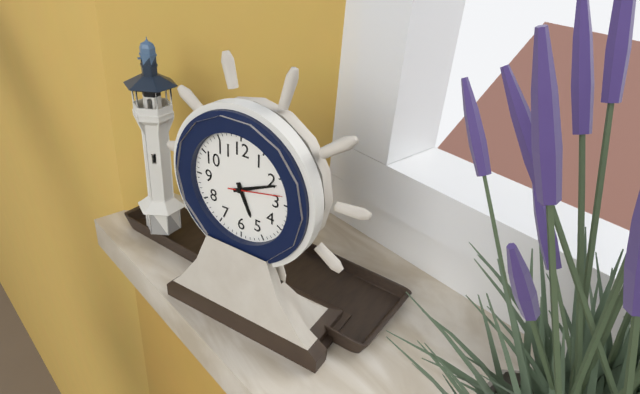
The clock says **5:11:13**
